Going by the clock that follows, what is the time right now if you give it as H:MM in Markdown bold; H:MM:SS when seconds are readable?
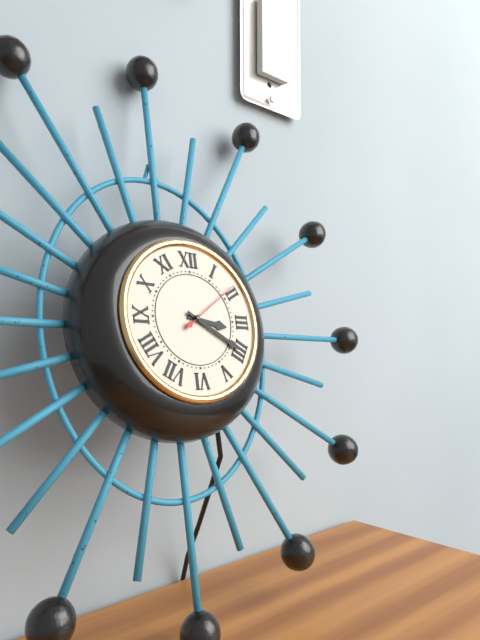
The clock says **3:20:09**
